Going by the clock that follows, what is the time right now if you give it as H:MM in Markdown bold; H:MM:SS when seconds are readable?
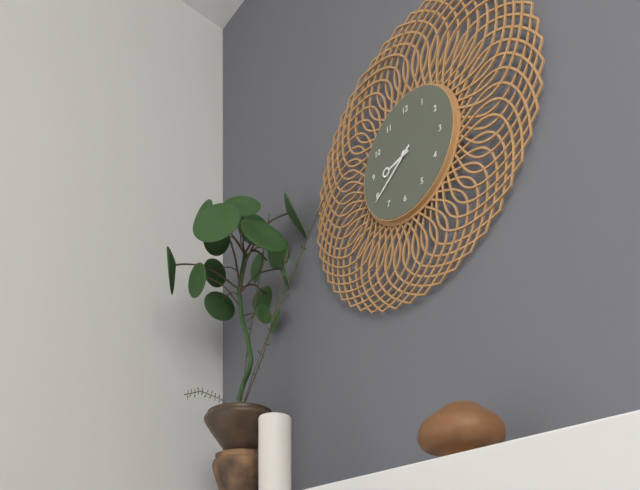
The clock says **8:39**
